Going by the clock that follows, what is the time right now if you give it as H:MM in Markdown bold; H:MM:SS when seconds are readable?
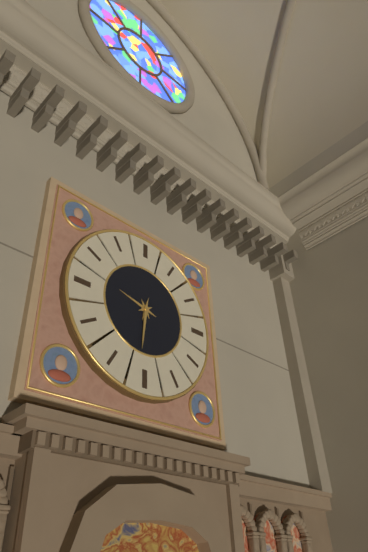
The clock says **9:31**
